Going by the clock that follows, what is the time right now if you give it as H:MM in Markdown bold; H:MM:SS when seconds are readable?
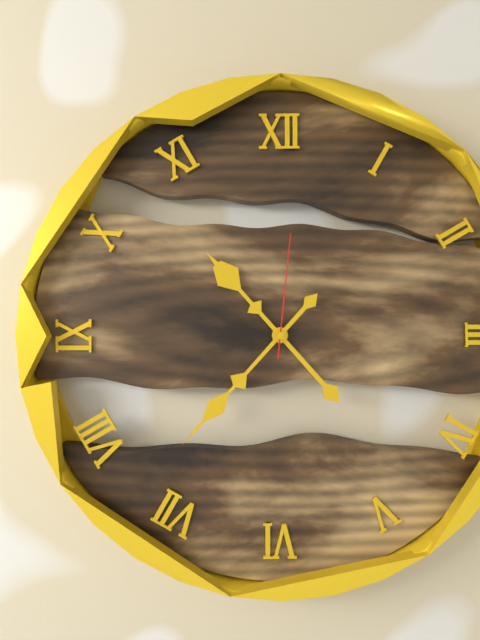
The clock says **10:37:01**
